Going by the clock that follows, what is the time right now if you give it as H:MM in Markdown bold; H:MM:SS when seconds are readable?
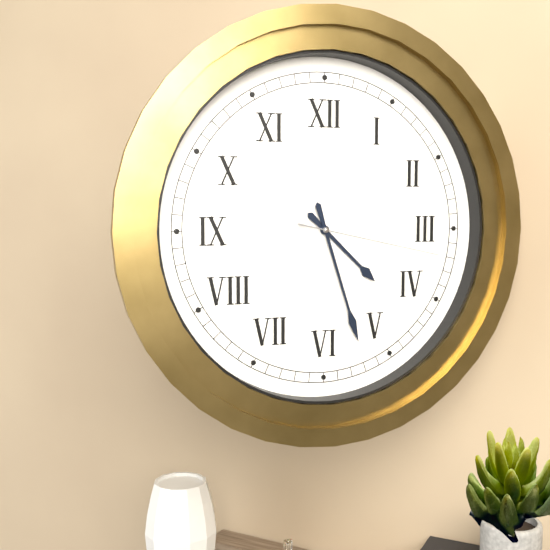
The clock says **4:27:17**
